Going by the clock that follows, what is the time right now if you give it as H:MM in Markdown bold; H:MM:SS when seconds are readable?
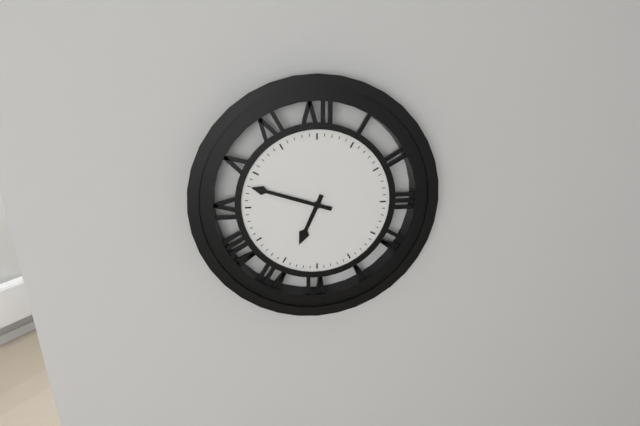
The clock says **6:48**
